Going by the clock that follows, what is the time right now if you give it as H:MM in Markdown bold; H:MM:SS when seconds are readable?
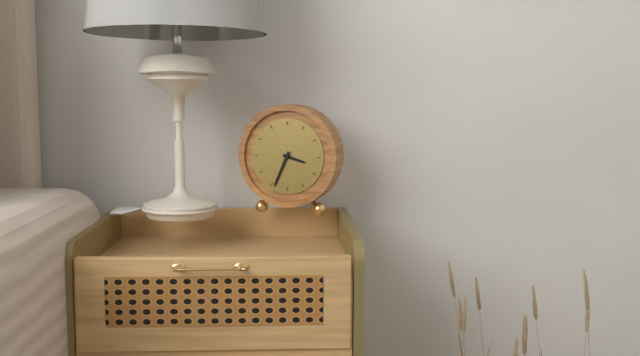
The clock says **3:34**
